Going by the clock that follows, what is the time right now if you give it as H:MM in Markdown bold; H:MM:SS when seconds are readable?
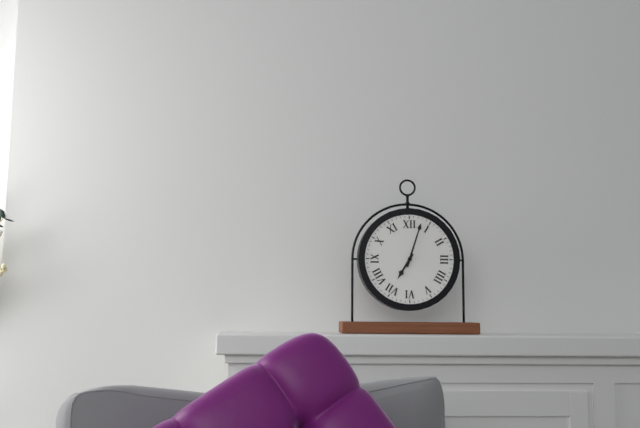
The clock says **7:03**
